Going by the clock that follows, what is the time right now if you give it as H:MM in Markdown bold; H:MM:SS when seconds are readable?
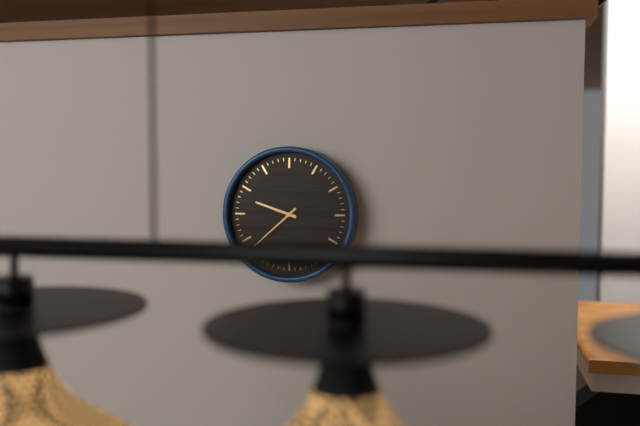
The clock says **9:38**
